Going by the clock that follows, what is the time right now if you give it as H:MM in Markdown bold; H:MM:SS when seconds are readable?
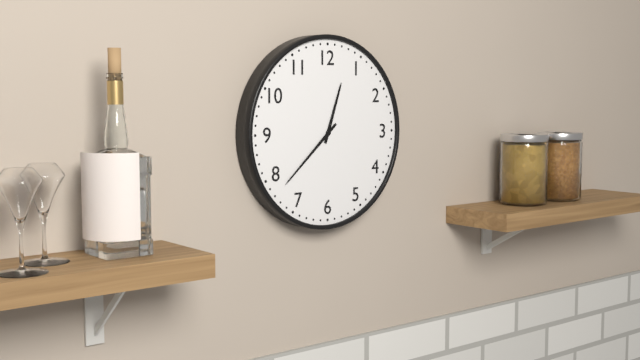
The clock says **12:38**
